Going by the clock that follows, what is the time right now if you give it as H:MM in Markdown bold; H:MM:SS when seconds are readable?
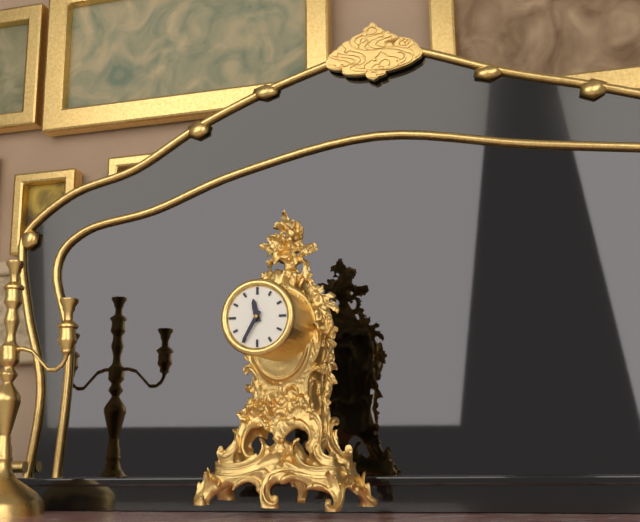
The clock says **11:35**
